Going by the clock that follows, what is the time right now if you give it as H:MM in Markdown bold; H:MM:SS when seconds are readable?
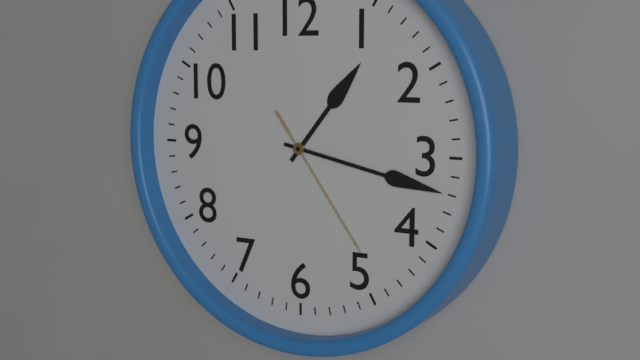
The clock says **1:17:24**
